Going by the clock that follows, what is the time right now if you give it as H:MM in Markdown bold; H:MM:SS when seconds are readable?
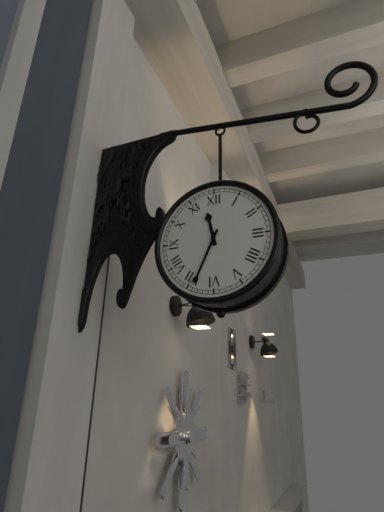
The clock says **11:34**
